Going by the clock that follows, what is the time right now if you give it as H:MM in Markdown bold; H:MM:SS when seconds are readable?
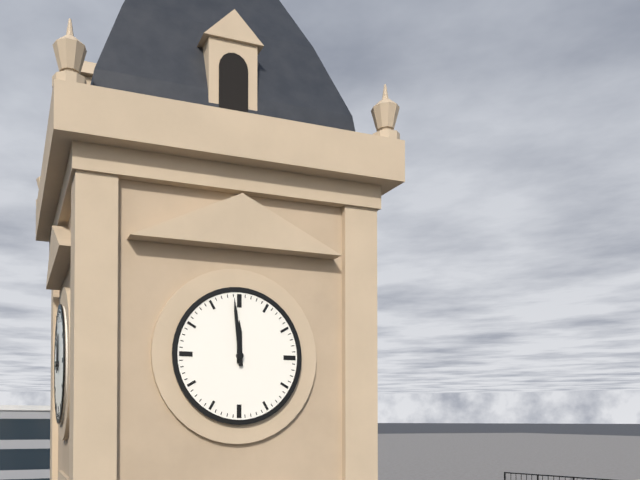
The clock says **11:59**
